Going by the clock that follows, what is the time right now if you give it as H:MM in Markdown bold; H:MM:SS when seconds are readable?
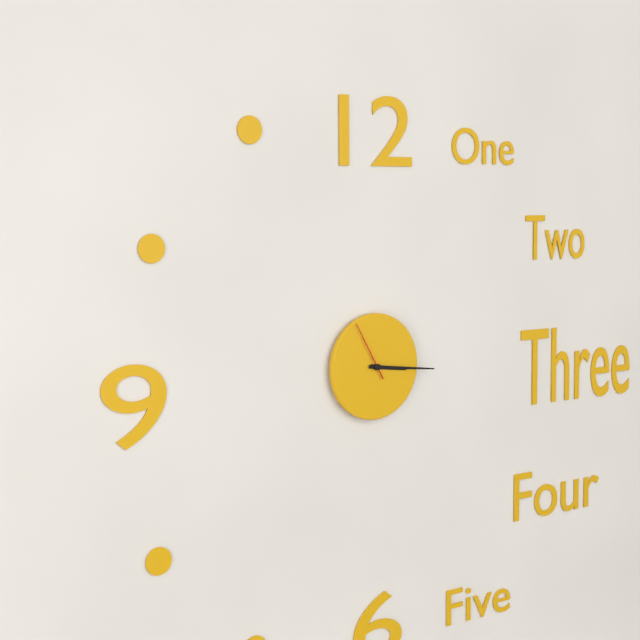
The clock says **3:16:55**
